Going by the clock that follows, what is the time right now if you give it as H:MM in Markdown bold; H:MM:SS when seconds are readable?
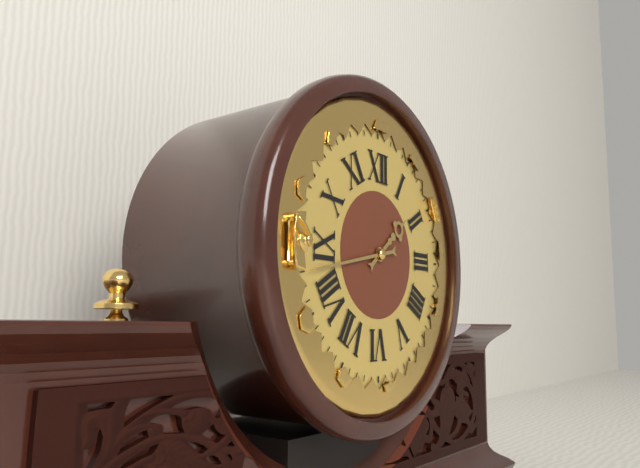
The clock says **1:43**
